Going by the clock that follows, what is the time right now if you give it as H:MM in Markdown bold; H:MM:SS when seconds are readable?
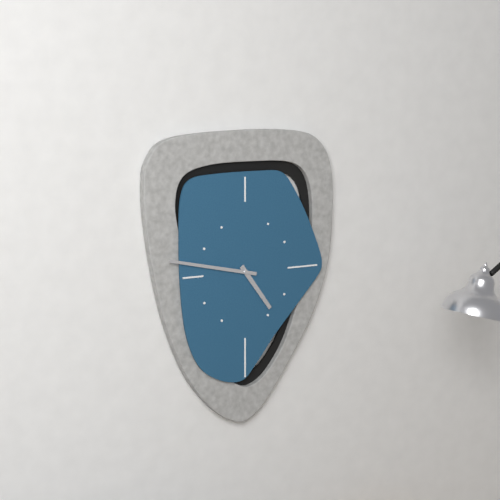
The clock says **4:47**
